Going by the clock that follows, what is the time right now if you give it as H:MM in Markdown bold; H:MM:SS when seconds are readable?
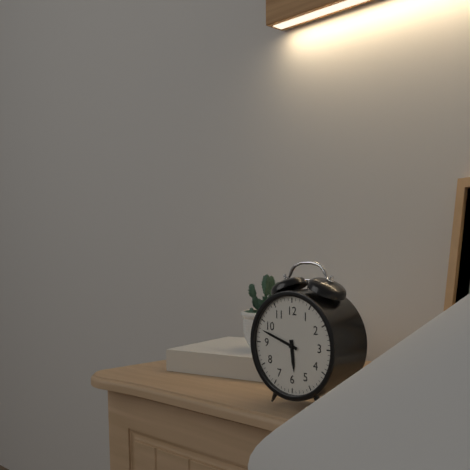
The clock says **5:48**
